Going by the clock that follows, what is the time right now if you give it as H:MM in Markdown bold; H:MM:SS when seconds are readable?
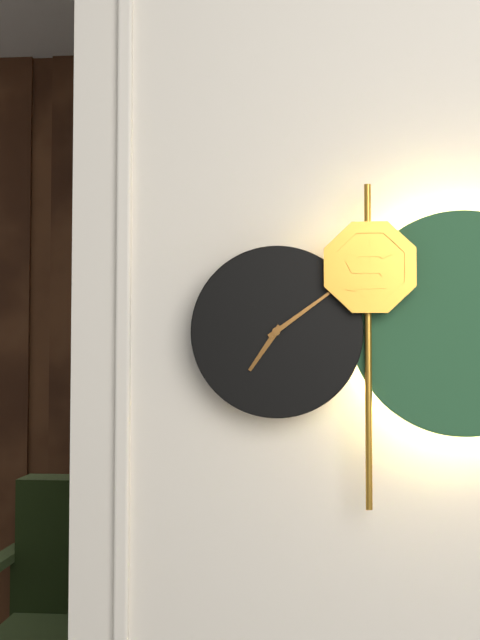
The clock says **7:09**
